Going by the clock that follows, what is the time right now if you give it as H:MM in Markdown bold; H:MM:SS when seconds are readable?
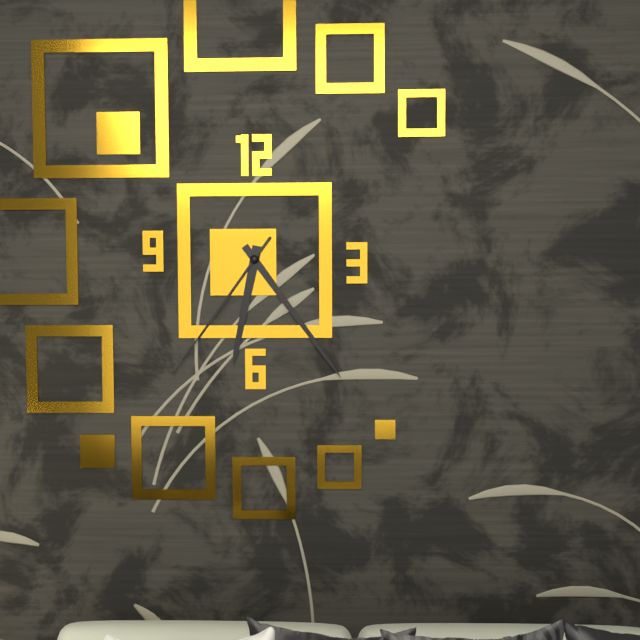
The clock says **6:24:36**
